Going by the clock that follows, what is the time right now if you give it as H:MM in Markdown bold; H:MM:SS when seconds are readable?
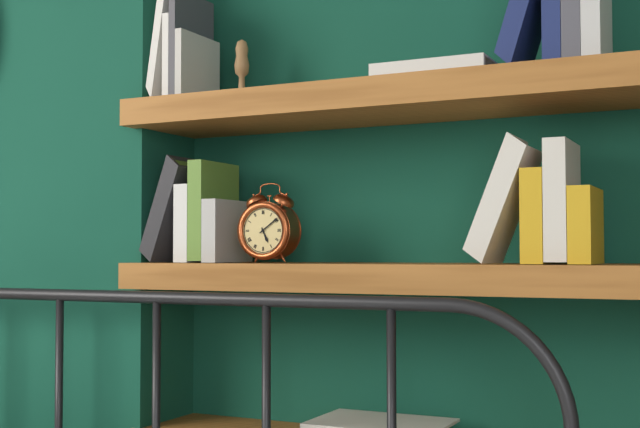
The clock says **5:09**
